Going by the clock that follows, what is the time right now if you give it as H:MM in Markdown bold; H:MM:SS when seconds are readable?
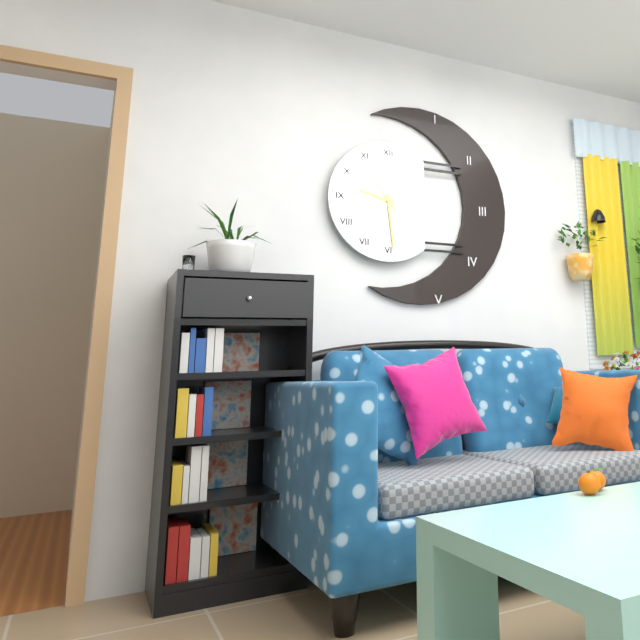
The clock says **9:29:54**
